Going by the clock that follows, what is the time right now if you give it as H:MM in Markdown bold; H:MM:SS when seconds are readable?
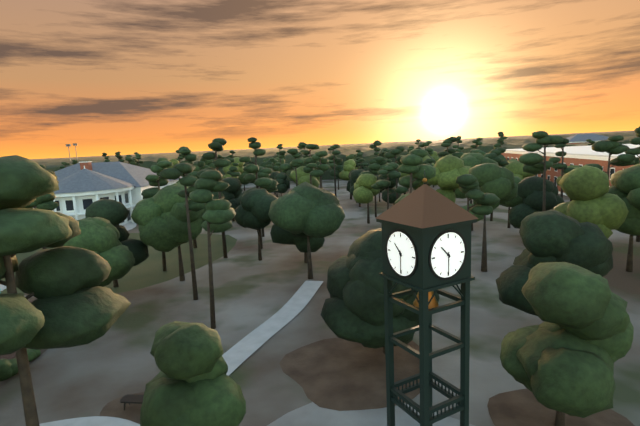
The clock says **10:30**
